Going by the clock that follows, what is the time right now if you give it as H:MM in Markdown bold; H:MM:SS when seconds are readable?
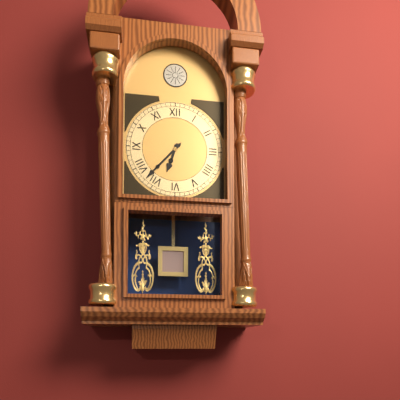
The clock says **6:37**
